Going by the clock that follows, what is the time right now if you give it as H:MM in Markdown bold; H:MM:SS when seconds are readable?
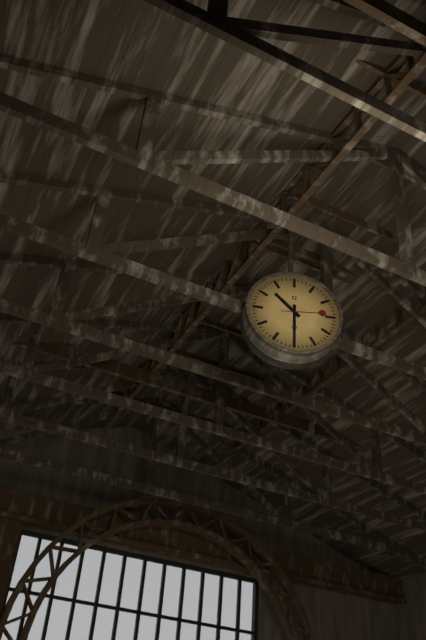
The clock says **10:30**
